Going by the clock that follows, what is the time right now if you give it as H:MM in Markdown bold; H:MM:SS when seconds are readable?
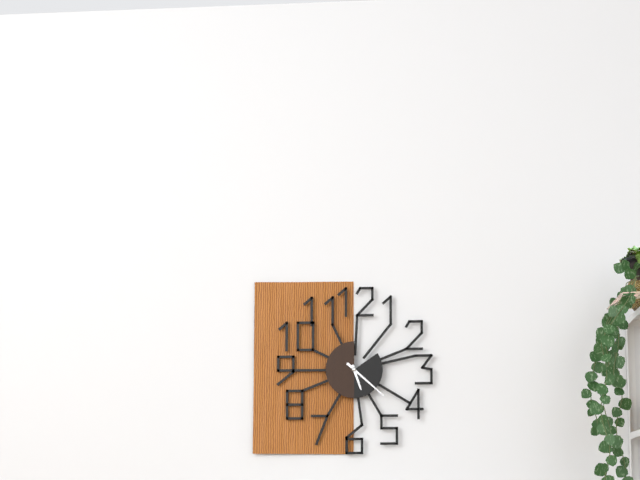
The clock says **5:22**
